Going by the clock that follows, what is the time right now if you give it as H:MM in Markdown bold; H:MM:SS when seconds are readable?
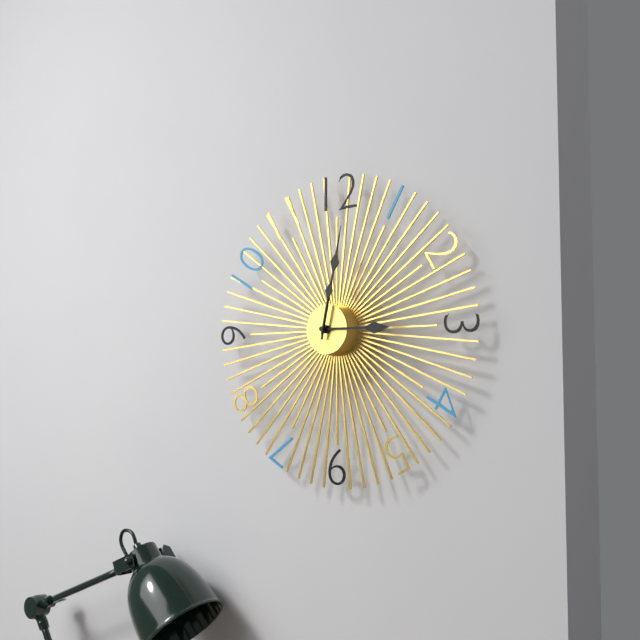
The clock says **3:02:02**
